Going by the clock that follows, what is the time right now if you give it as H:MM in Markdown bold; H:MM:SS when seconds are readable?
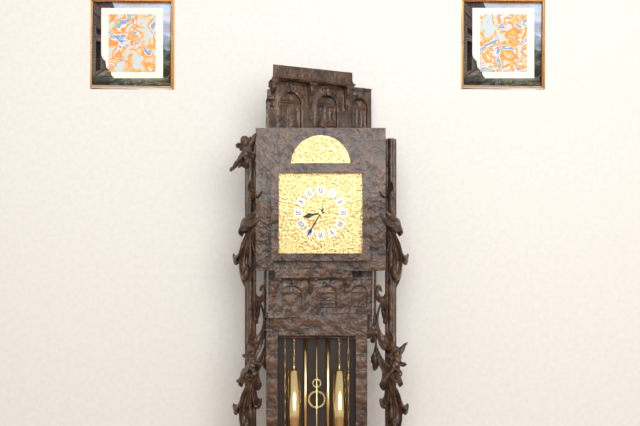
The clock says **8:35**
